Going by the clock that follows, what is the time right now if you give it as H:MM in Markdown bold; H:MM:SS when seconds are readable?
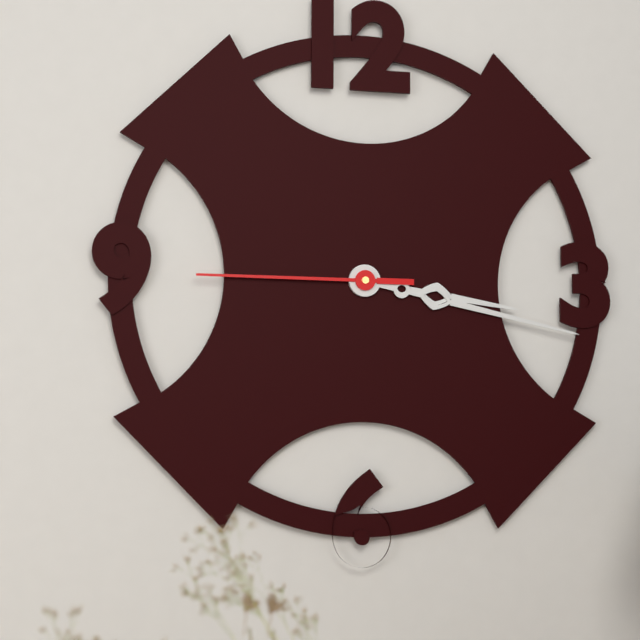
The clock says **3:17:45**
